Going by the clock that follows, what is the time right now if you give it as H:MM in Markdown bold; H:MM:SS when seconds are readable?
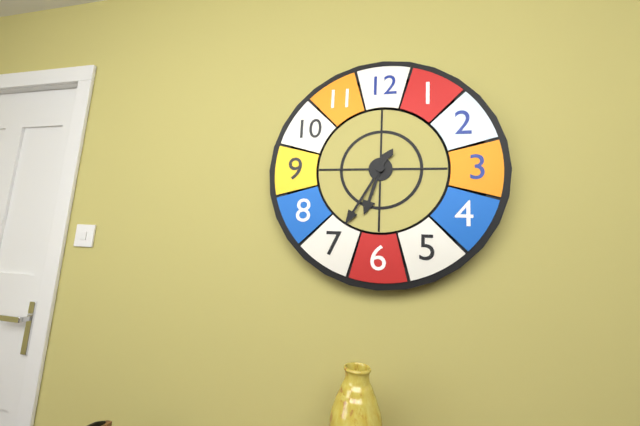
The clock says **6:35**
